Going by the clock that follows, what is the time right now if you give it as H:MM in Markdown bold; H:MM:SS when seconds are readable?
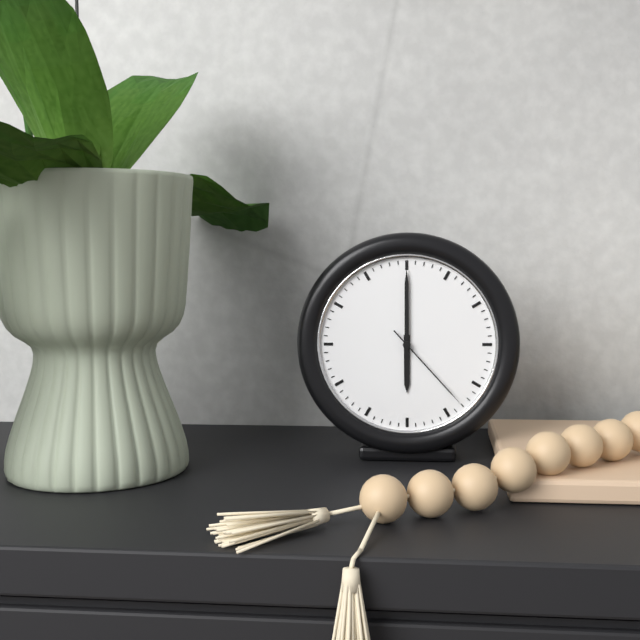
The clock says **6:00:23**
